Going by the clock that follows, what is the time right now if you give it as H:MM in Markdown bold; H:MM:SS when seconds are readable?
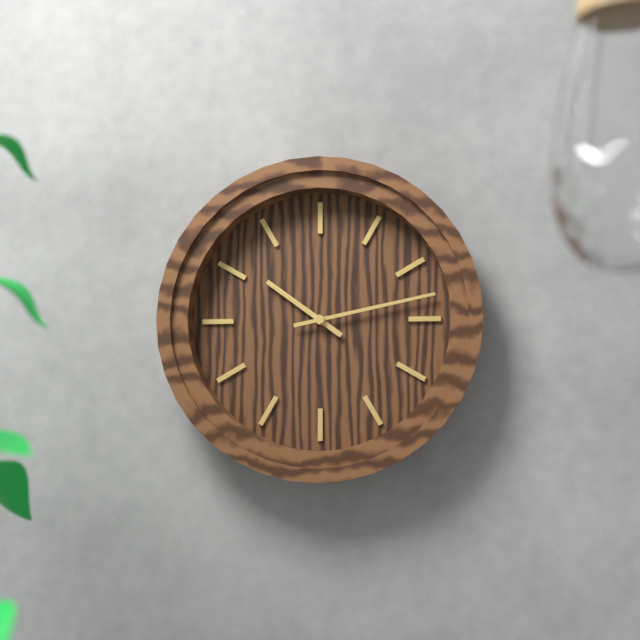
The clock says **10:13**
